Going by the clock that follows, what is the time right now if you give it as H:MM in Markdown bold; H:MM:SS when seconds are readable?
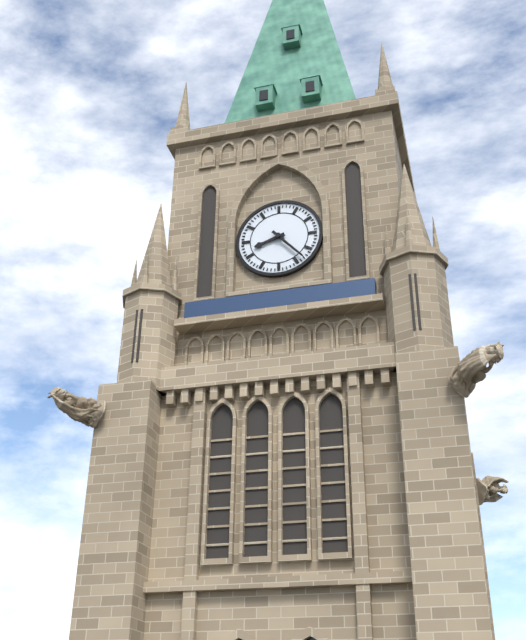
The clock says **8:23**
